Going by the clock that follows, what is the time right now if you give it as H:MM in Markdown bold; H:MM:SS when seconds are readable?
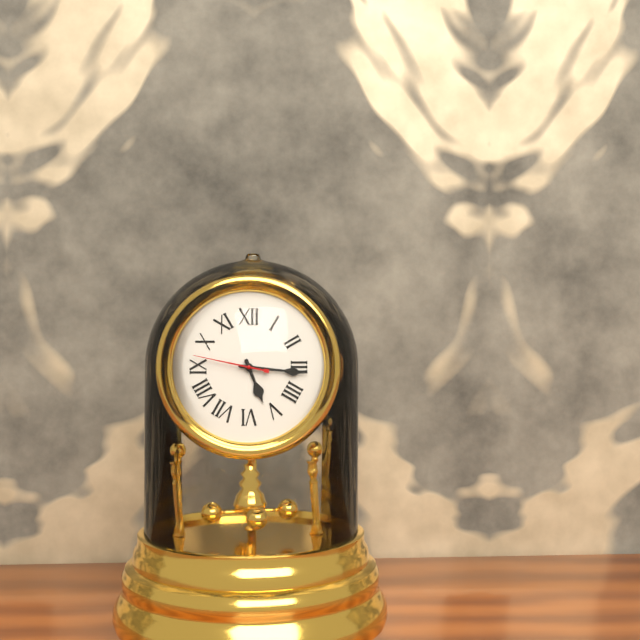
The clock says **5:16:47**
